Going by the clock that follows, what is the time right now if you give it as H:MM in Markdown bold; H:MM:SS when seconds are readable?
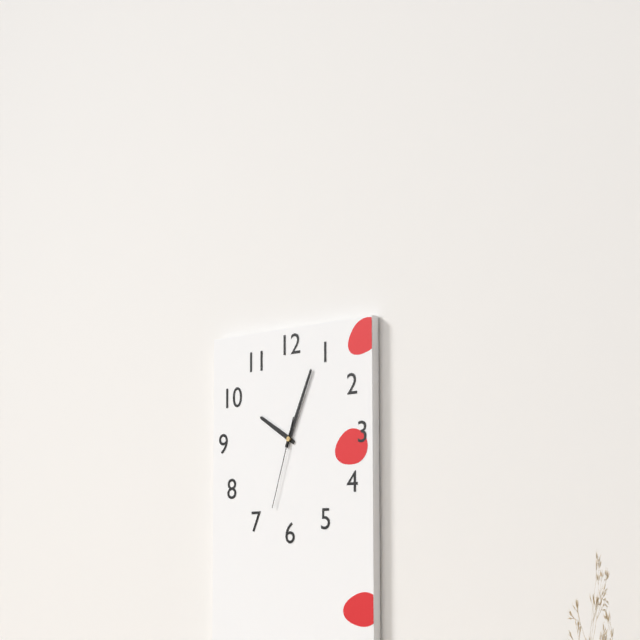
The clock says **10:04:33**
